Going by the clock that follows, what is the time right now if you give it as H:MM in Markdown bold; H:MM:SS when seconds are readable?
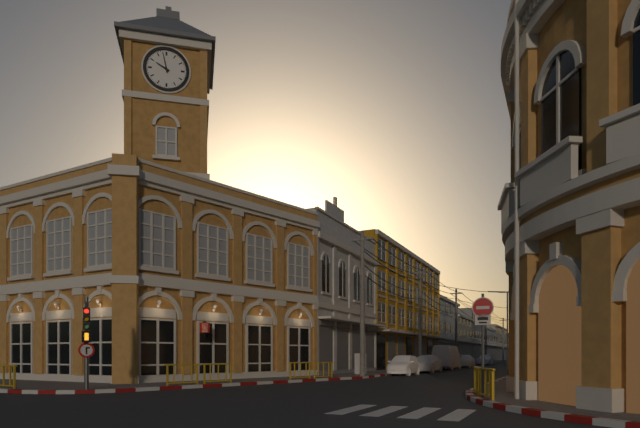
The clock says **9:58**
